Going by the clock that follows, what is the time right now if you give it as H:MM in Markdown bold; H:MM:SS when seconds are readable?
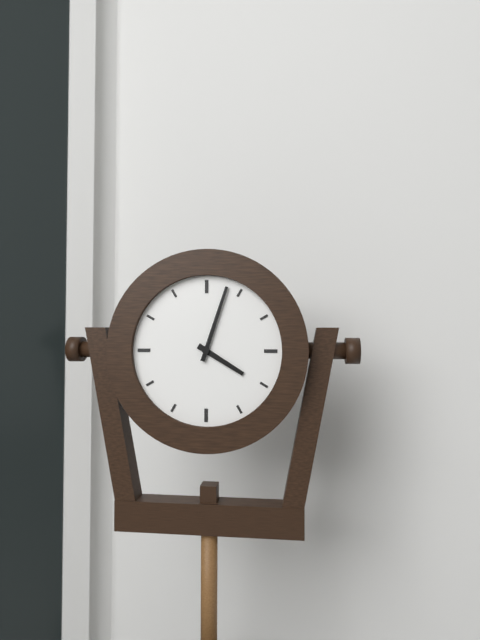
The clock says **4:03**
